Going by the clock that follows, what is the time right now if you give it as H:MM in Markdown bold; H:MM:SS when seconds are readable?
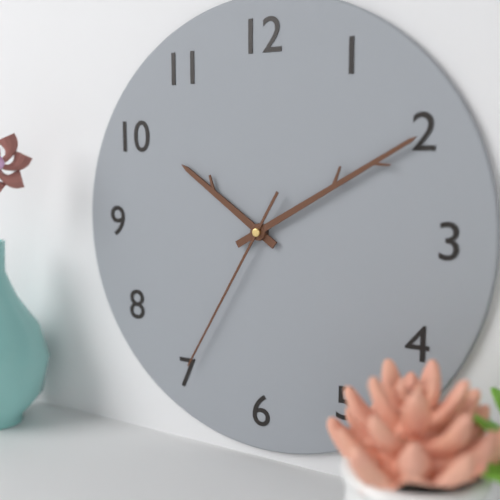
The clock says **10:10:35**
